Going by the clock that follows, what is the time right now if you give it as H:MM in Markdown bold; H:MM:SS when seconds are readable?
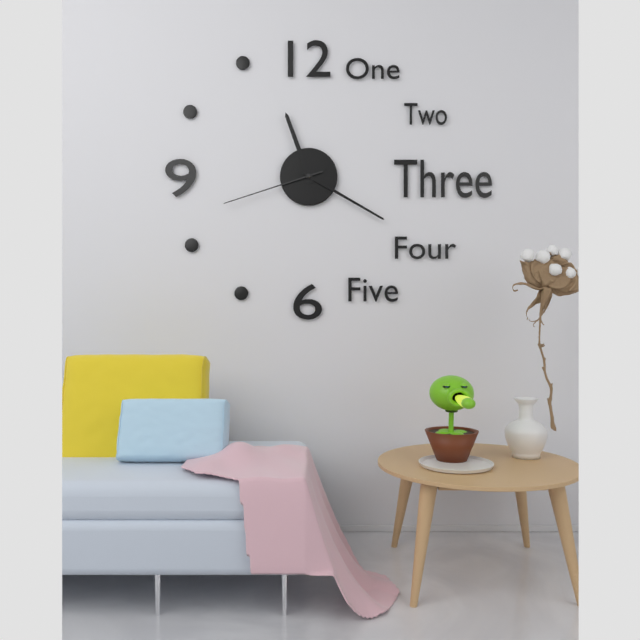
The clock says **11:20:42**
